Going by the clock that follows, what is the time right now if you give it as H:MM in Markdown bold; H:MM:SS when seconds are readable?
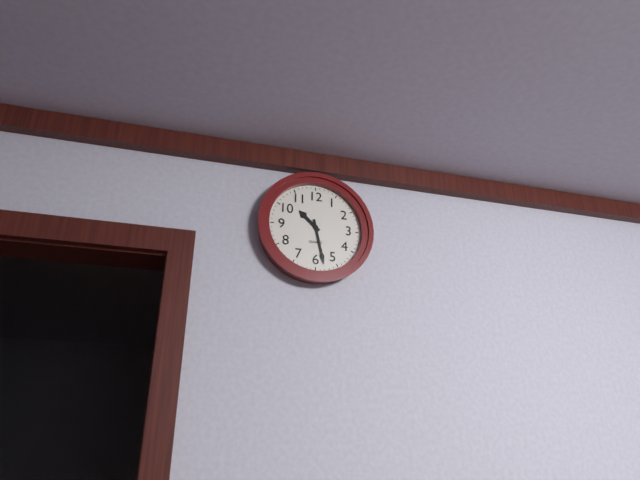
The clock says **10:28**
